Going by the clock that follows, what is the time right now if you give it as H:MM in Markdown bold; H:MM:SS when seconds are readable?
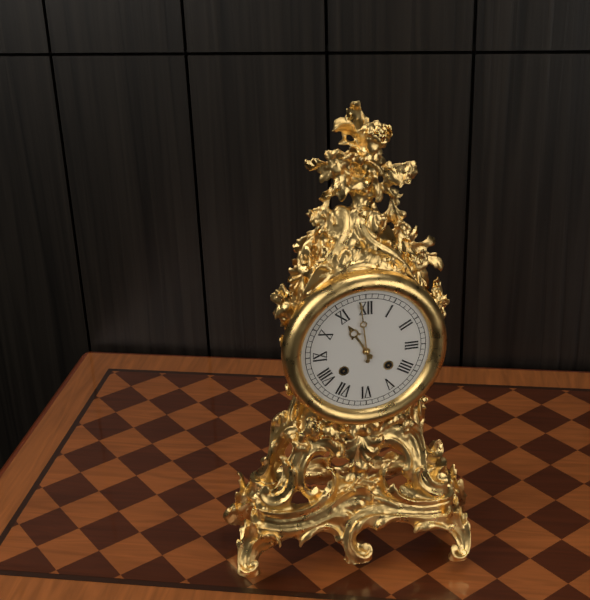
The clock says **10:59**
